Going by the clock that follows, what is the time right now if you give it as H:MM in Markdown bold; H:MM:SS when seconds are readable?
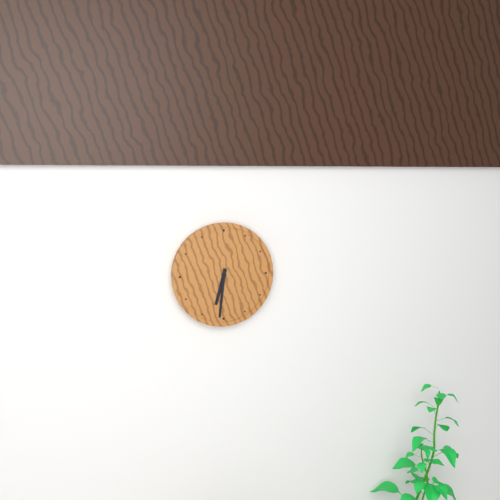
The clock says **6:31**
